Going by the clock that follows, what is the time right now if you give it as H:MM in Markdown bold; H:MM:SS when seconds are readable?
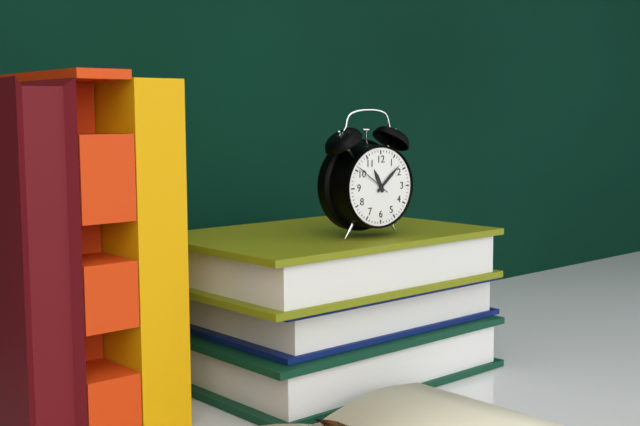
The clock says **11:08**
